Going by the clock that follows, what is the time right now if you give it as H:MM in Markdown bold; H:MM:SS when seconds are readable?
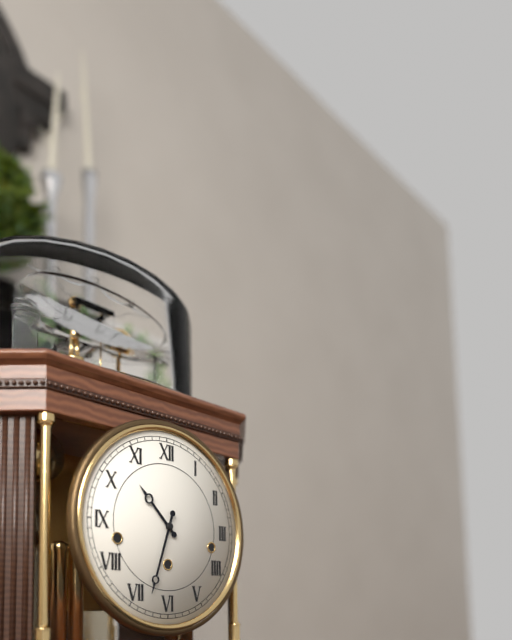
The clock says **10:33**
